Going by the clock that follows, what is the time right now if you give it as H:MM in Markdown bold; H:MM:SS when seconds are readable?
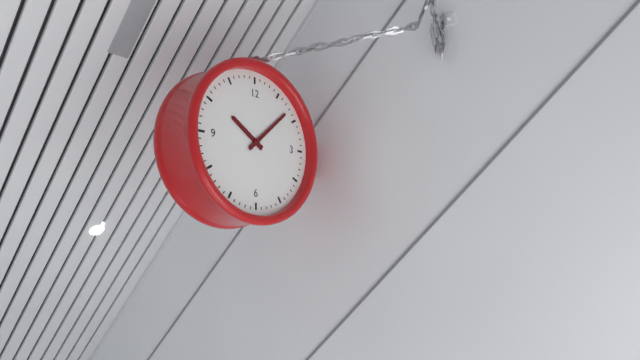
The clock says **10:08**
